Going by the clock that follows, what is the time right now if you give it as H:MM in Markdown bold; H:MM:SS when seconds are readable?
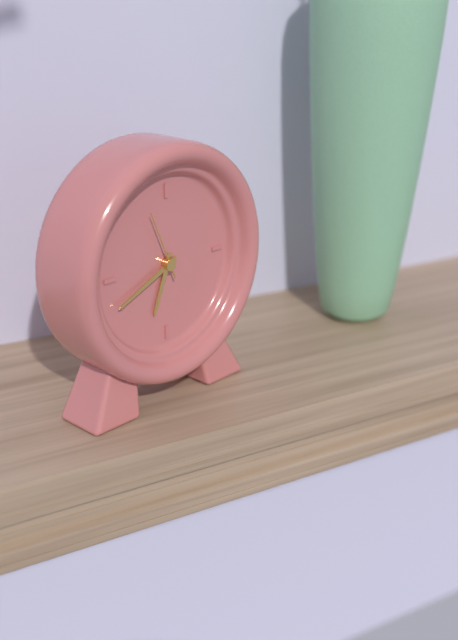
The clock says **6:41:56**
